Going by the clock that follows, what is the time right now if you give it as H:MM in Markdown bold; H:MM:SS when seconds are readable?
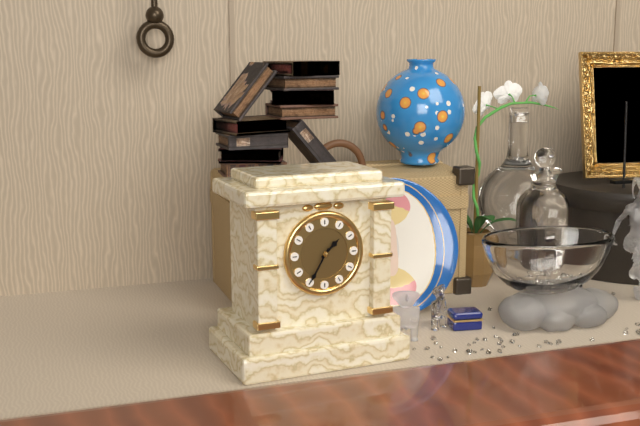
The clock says **1:35**
